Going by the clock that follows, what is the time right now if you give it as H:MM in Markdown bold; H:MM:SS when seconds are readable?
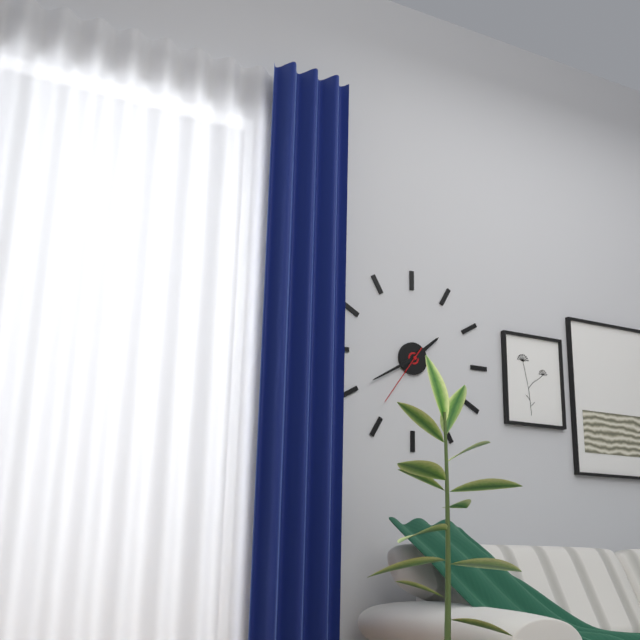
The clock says **1:40:36**
